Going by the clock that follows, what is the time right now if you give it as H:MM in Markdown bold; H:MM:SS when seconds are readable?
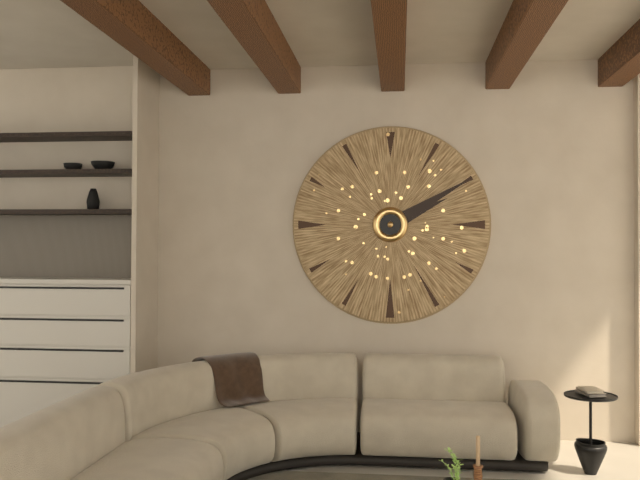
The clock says **2:10**
